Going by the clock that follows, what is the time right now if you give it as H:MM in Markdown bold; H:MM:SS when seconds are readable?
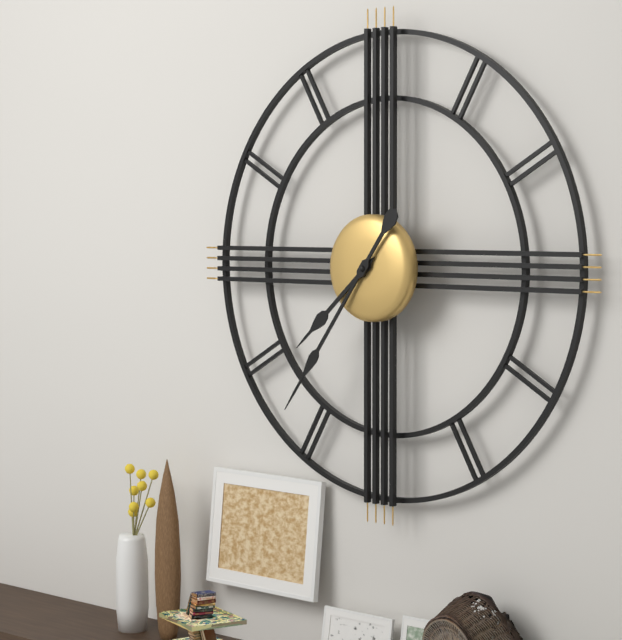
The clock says **7:36**
